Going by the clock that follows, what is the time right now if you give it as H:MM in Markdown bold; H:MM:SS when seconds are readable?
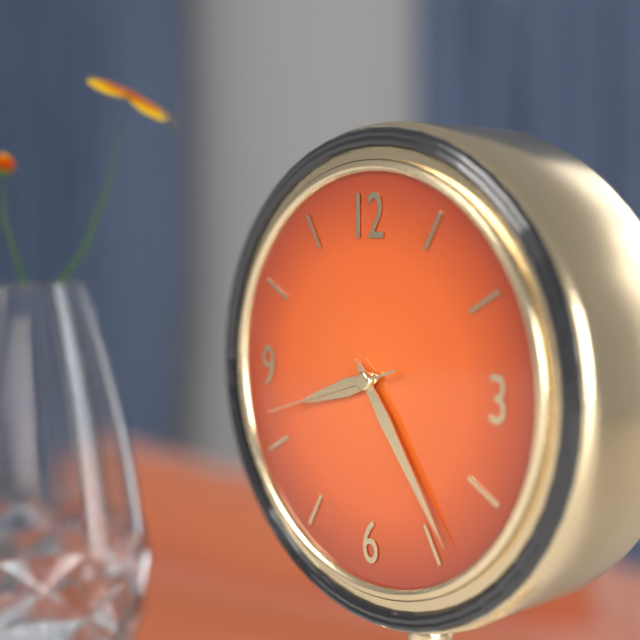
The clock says **8:24:42**
